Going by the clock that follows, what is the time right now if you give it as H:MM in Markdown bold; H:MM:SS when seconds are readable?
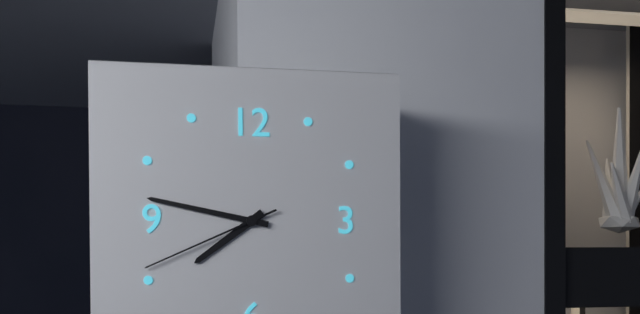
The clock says **7:47:41**
